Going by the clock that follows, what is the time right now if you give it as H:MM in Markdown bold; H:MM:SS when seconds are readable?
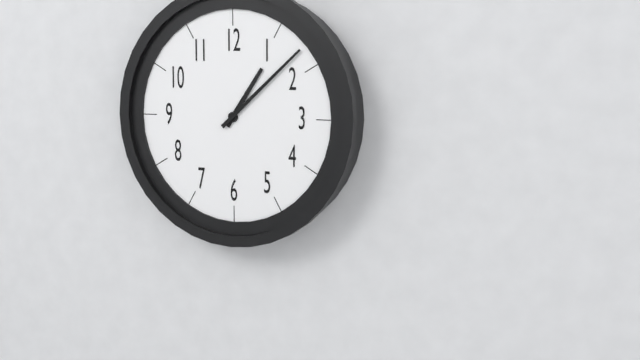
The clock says **1:08**
